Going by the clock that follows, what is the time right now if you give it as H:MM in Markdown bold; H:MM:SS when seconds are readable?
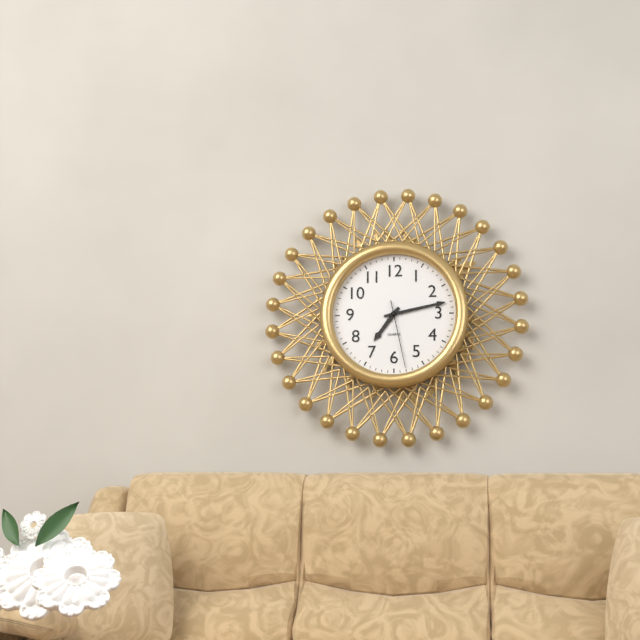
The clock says **7:13:28**
